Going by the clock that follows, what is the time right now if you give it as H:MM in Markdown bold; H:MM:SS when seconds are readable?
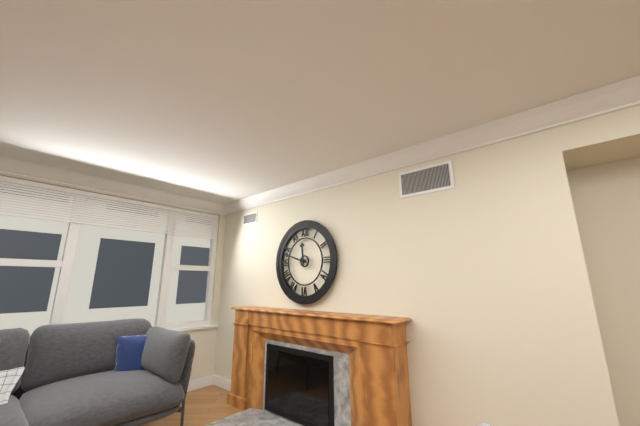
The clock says **11:48**
